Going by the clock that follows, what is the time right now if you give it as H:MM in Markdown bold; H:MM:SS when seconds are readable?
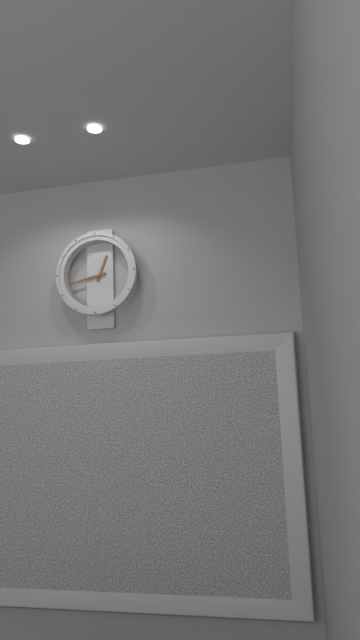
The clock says **12:43**
